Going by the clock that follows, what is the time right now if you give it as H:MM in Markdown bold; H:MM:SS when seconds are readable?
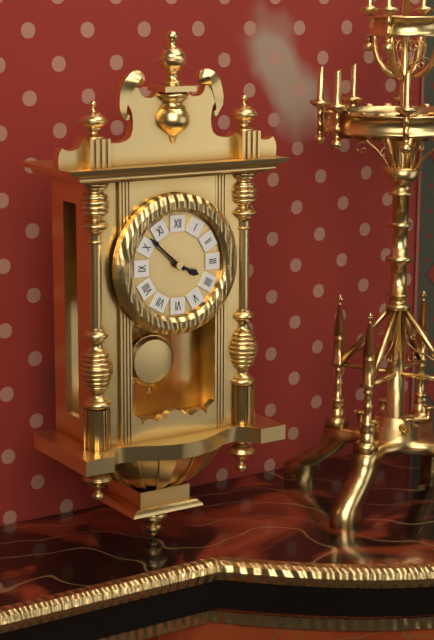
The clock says **3:52**
